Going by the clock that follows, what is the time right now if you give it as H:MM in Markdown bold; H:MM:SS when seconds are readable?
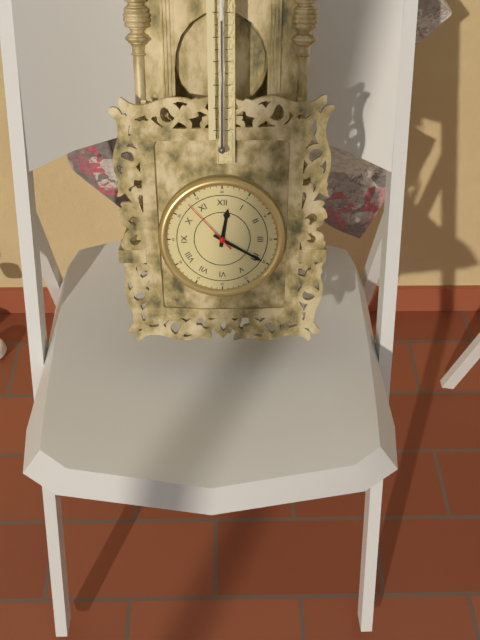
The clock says **12:20:53**
